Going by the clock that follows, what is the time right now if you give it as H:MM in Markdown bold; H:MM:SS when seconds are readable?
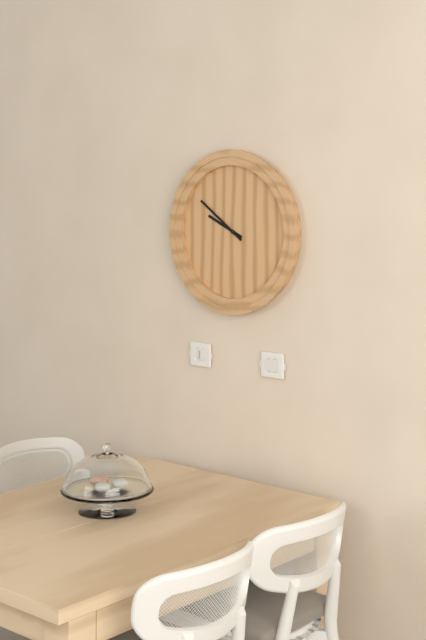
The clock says **9:51**
